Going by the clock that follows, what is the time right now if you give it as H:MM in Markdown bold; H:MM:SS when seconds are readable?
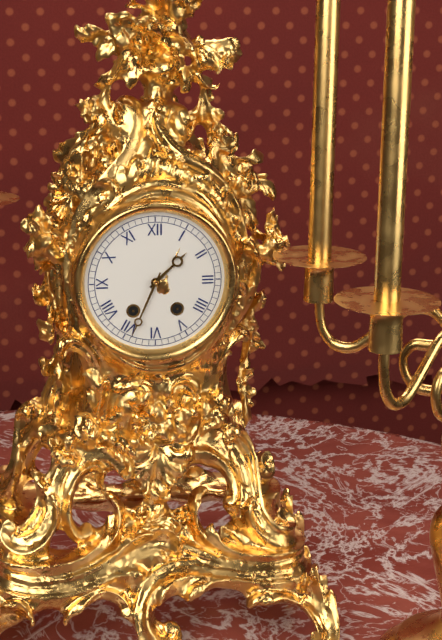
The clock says **1:34**
